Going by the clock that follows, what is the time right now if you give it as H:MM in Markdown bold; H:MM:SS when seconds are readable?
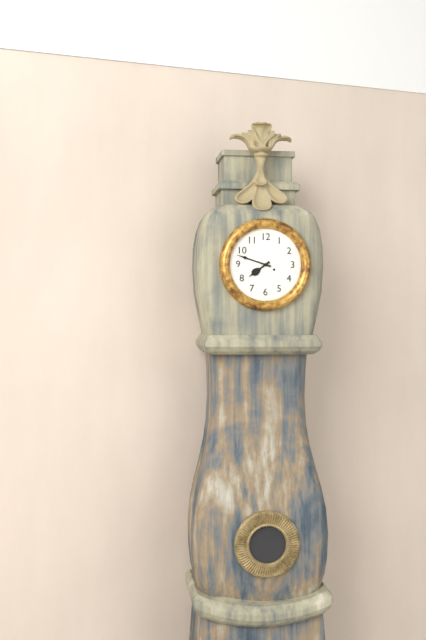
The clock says **7:48**
